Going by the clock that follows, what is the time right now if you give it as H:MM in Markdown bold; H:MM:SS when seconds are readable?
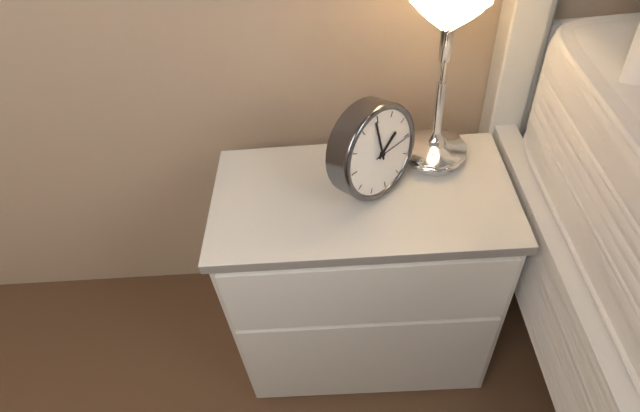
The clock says **1:59**
